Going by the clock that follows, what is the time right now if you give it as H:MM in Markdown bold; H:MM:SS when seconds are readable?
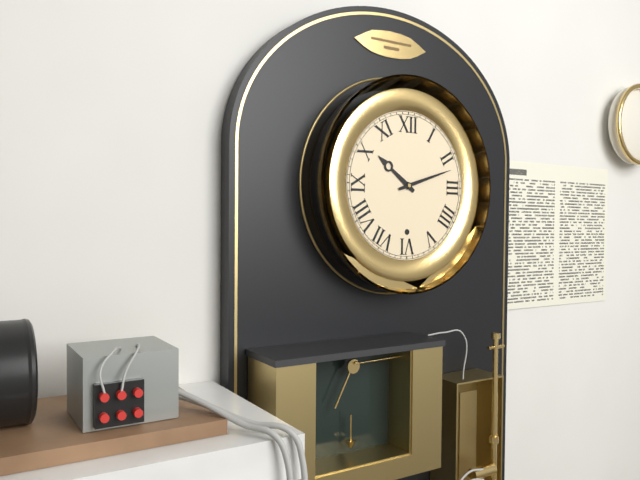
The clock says **10:12**
